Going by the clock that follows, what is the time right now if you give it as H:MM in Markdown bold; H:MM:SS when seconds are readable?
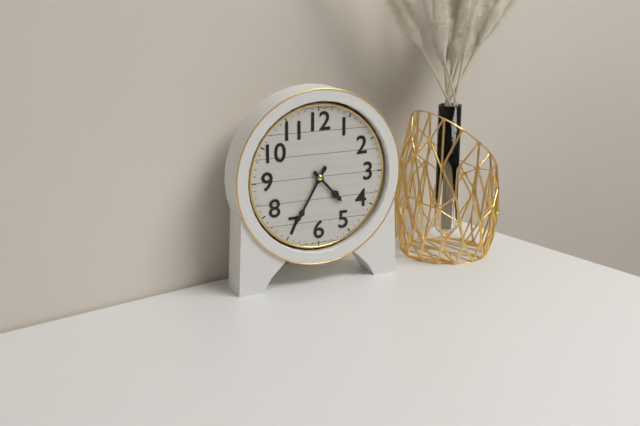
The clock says **4:35**
